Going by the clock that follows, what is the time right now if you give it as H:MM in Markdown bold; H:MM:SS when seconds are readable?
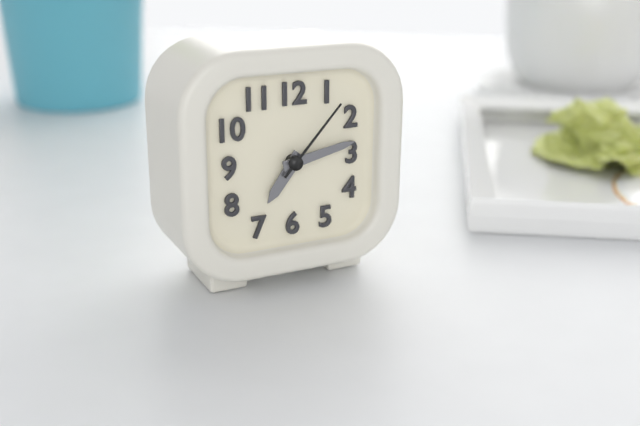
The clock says **7:13:07**
